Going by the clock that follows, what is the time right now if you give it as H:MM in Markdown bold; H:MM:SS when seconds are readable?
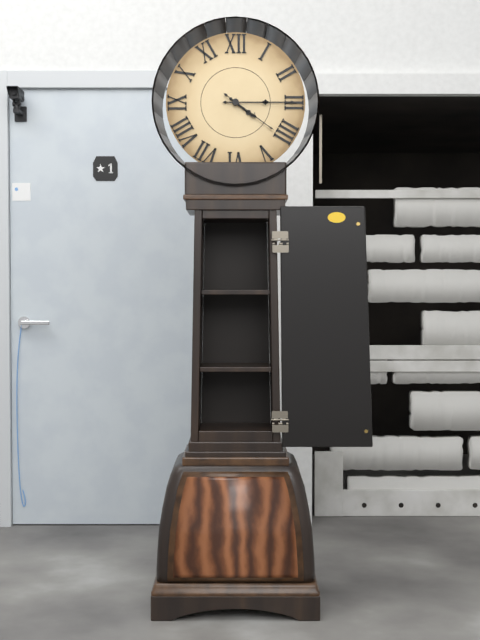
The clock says **4:15:21**
